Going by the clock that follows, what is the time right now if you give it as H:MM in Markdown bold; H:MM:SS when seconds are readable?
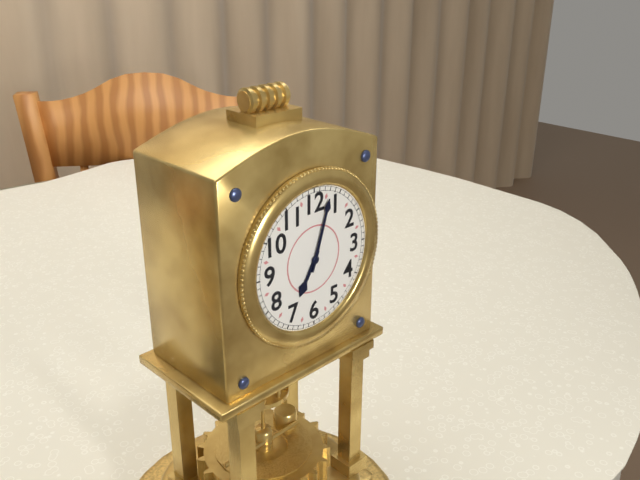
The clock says **7:03**
